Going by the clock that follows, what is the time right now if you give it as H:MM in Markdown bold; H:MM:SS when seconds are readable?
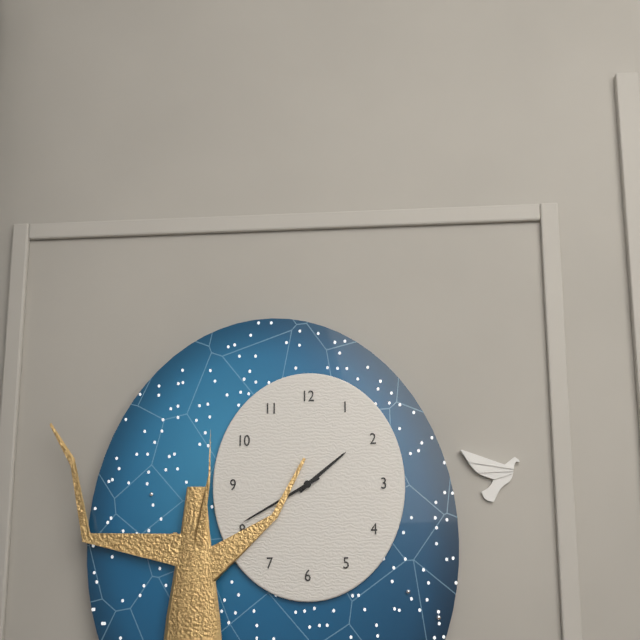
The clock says **1:40**
